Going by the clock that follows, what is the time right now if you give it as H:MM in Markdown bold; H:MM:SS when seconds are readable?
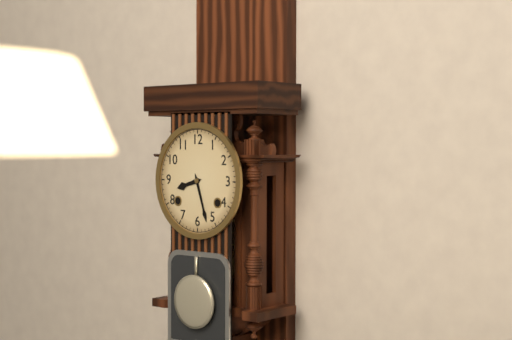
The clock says **8:27**
